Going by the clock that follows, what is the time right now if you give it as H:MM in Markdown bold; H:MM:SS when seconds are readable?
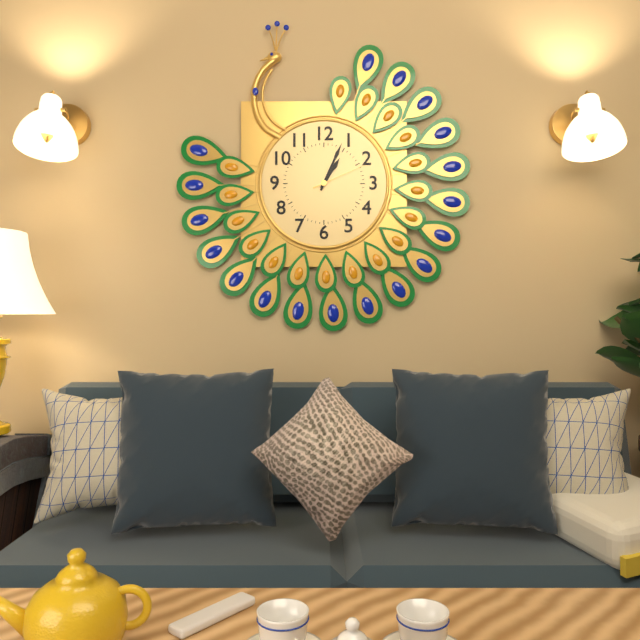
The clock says **1:04:11**
